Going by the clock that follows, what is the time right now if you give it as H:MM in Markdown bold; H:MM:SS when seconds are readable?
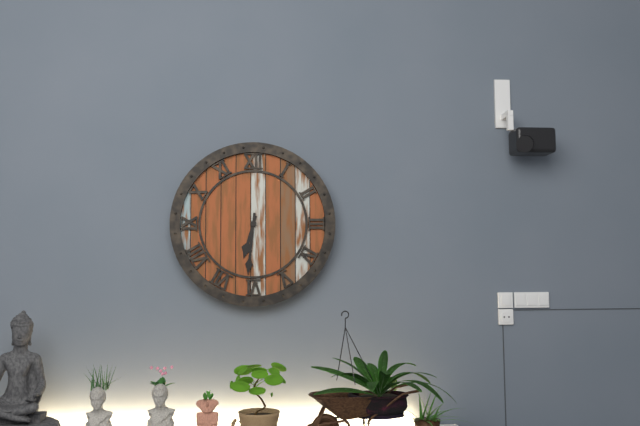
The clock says **6:31**
